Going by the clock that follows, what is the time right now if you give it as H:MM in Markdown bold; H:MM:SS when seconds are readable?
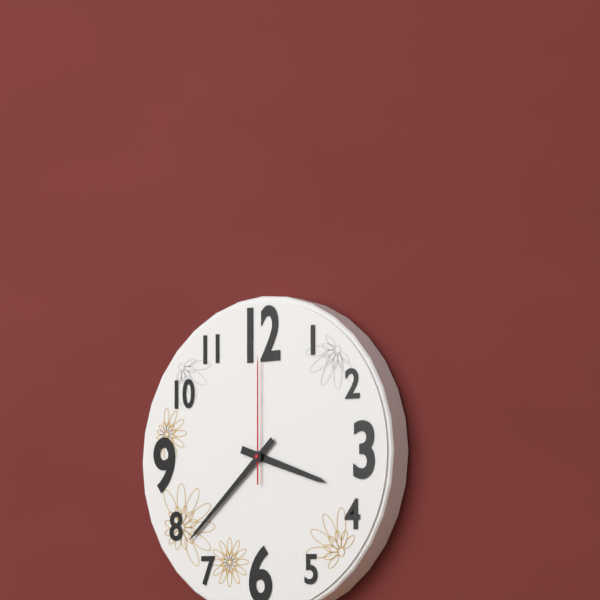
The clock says **3:38:00**
